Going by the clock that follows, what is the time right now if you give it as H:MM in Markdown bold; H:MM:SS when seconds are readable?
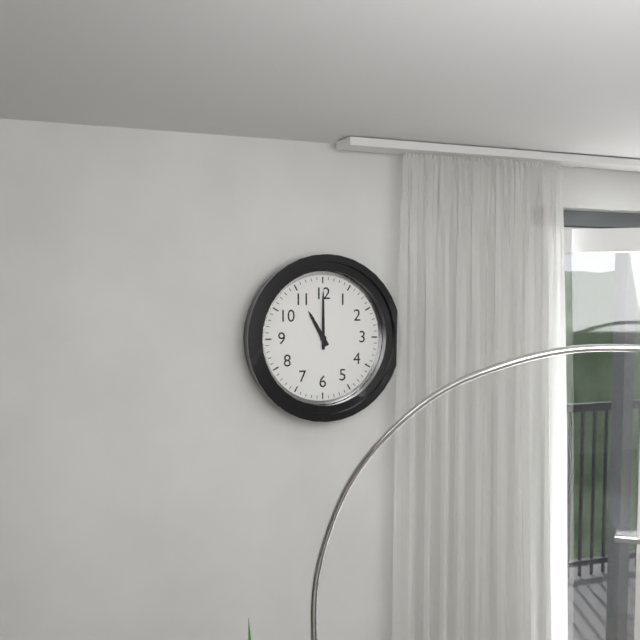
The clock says **11:00**
